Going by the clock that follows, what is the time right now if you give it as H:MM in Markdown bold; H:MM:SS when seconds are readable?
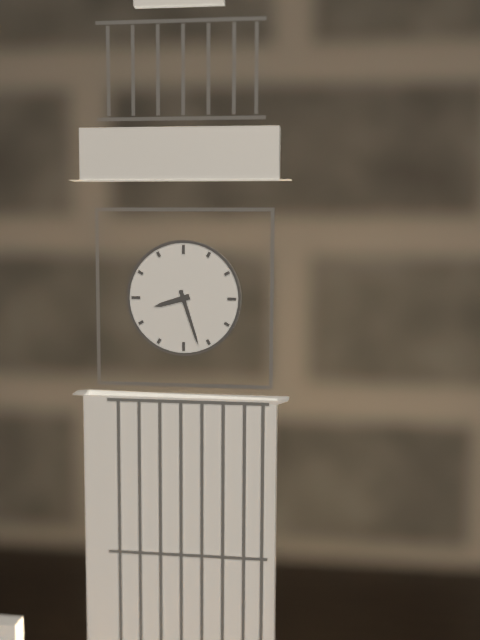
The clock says **8:27**
